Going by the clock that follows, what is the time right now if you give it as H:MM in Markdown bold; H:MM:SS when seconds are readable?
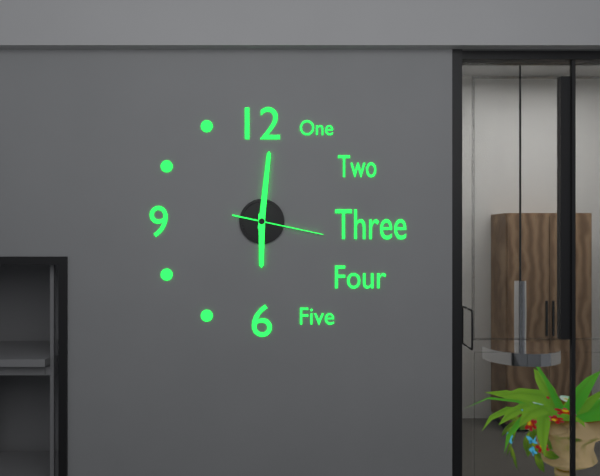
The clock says **6:01:17**
